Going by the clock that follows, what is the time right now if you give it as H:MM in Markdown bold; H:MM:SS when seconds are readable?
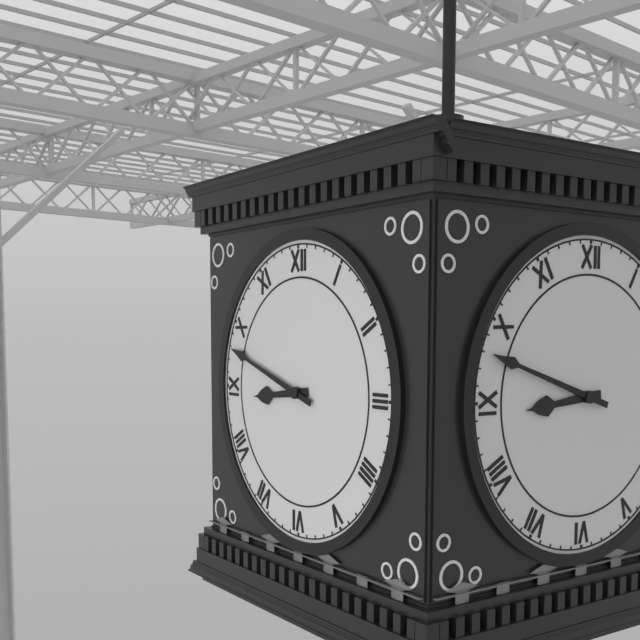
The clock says **8:48**
